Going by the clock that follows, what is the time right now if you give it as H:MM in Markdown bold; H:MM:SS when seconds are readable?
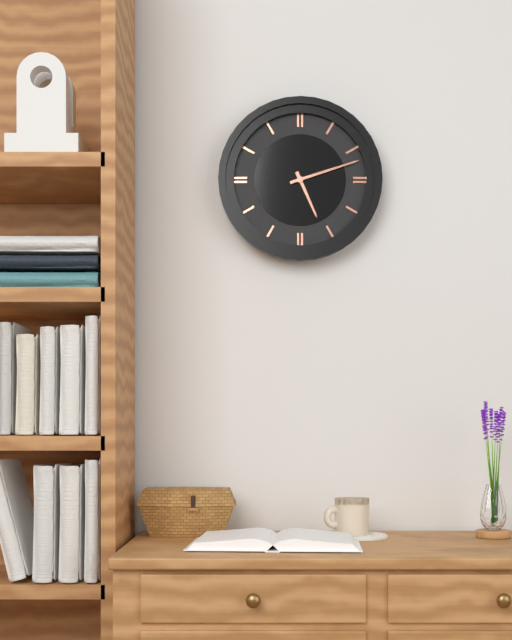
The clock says **5:12**
